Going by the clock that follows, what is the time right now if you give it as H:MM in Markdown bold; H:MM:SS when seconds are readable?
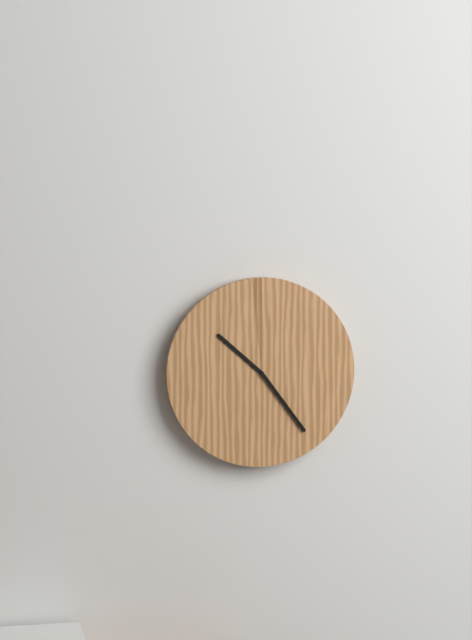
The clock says **10:24**
